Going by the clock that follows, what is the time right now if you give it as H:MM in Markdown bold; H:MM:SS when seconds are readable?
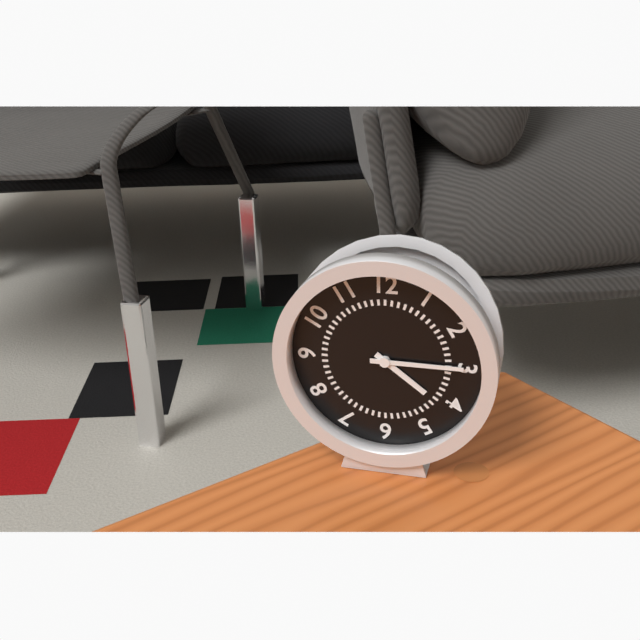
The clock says **4:15**
